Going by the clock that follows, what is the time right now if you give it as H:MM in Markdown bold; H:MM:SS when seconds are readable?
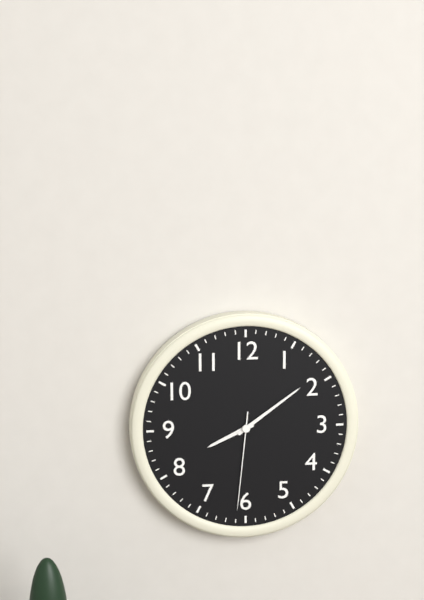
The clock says **8:09:31**
